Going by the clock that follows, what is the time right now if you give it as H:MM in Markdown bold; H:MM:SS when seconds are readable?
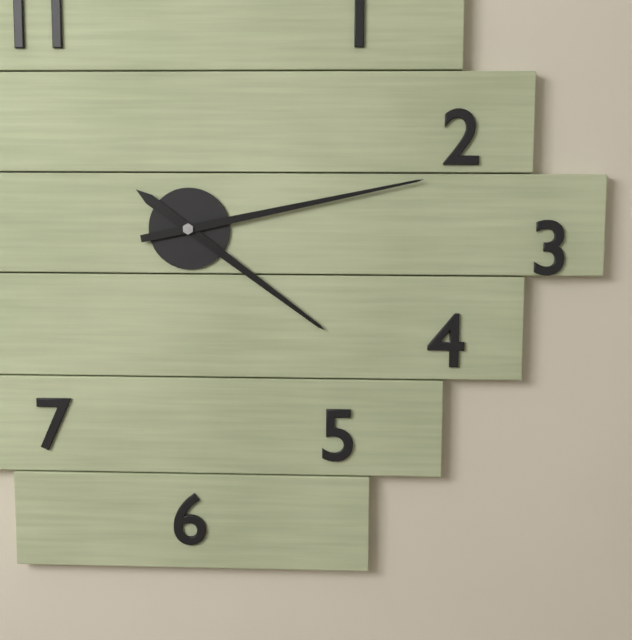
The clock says **4:13**
